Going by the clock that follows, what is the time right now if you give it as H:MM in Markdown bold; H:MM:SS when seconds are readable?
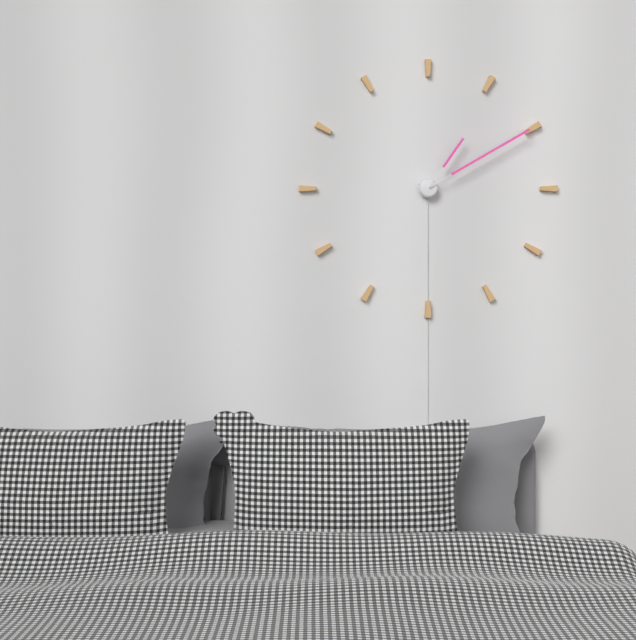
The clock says **1:10**
